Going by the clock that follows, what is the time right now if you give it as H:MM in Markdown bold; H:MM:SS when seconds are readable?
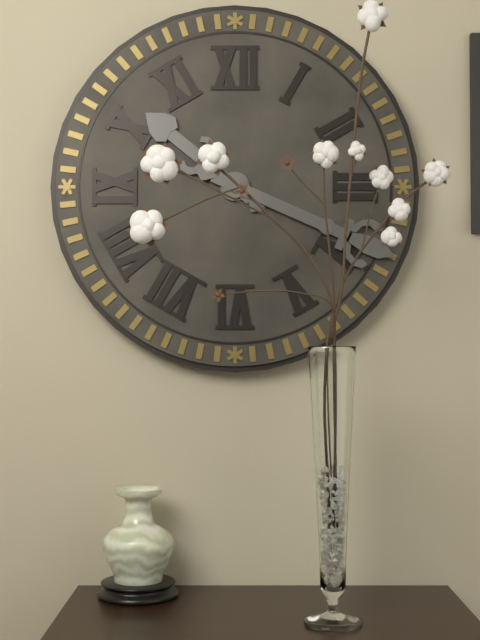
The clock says **10:19**
